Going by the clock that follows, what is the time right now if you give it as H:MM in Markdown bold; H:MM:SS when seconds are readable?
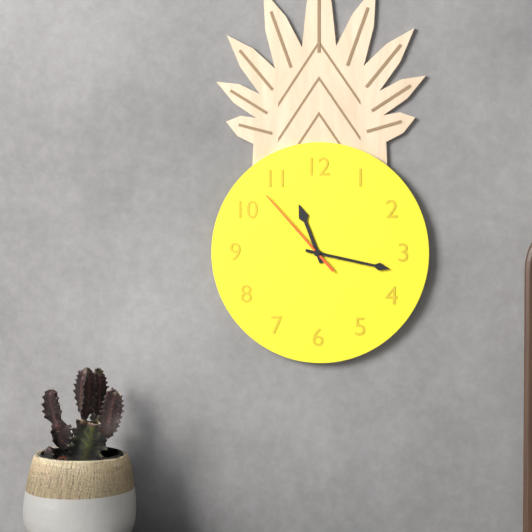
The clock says **11:17:53**
